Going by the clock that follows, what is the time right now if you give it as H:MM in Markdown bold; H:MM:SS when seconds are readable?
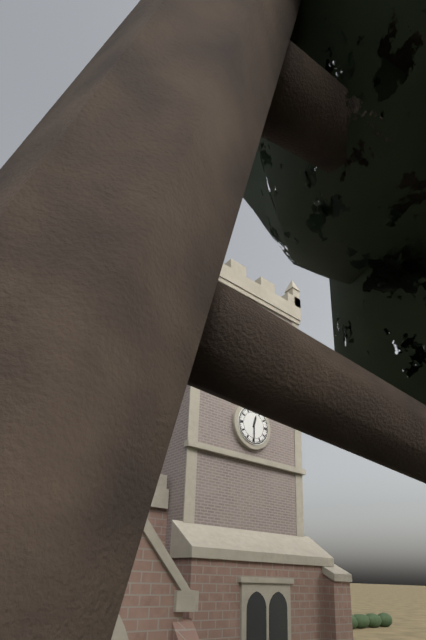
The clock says **12:30**
